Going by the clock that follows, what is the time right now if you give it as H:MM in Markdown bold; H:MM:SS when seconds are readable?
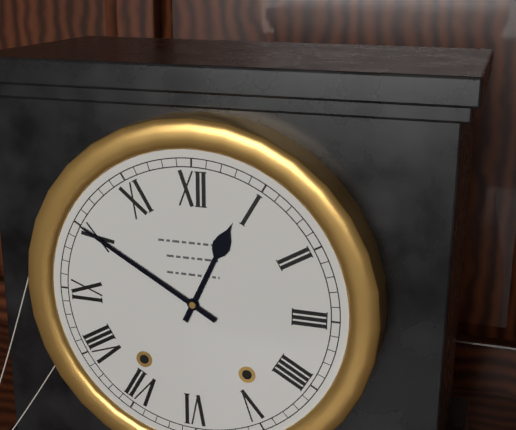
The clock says **12:50**
